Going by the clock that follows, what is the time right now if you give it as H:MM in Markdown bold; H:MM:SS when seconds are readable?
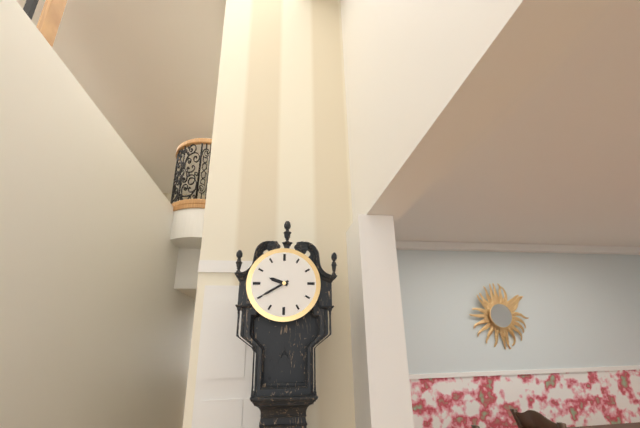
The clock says **9:40**
